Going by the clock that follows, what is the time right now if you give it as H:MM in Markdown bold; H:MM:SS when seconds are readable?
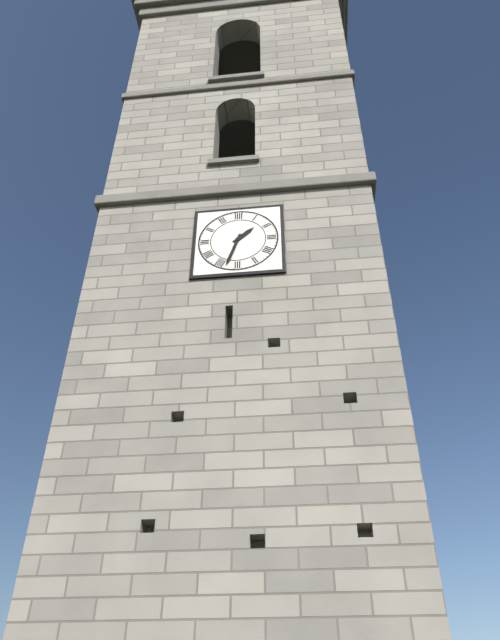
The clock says **1:33**
